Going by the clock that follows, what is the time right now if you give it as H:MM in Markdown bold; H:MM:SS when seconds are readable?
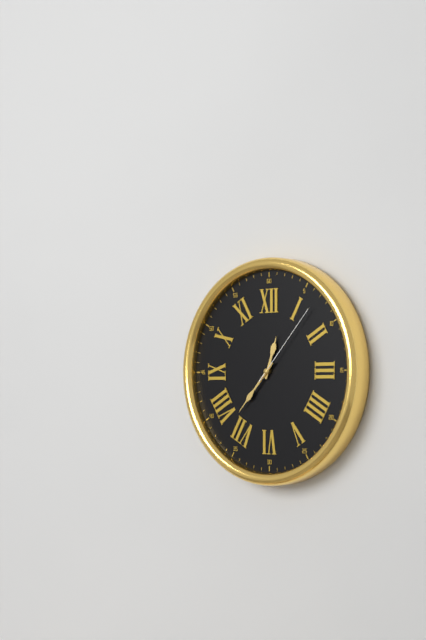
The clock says **12:37:07**
